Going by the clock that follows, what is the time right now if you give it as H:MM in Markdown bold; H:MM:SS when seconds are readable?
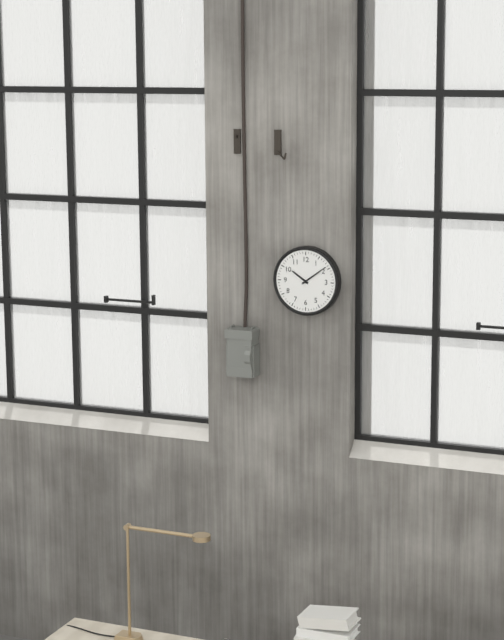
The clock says **10:09**
